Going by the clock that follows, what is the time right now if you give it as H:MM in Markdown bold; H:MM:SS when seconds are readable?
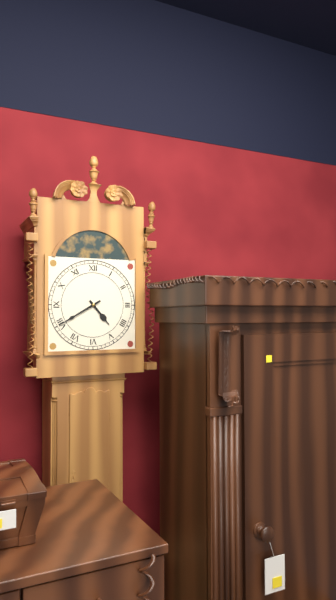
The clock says **4:40**
